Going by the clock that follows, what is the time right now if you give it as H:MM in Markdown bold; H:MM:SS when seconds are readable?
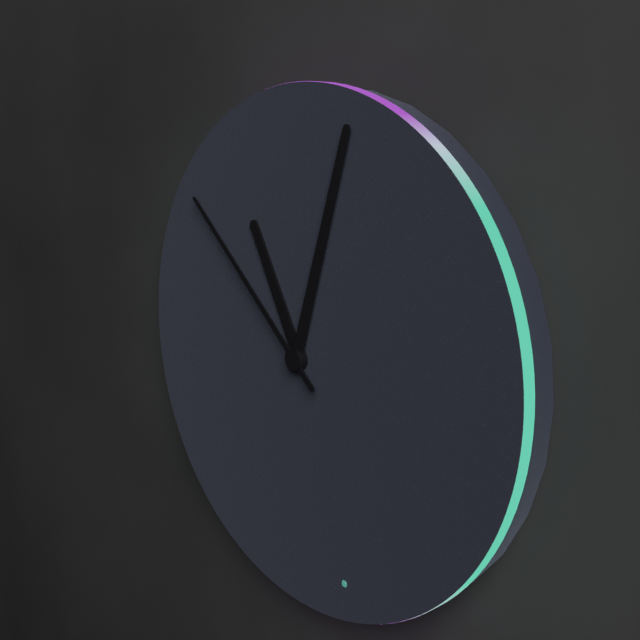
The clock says **11:03:52**
